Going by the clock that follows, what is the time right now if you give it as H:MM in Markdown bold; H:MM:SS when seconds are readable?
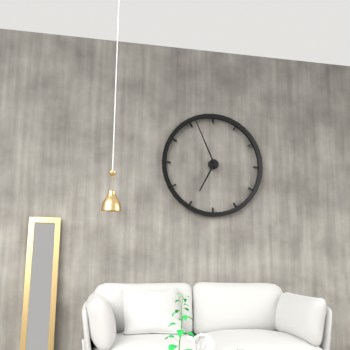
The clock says **6:56**
